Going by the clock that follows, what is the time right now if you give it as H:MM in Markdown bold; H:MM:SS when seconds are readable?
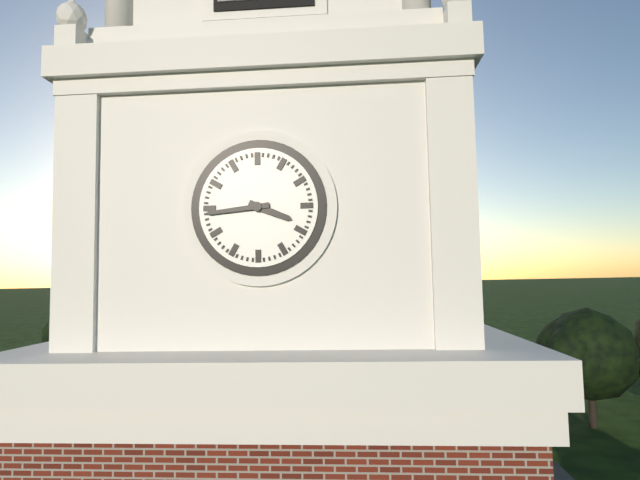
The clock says **3:44**
